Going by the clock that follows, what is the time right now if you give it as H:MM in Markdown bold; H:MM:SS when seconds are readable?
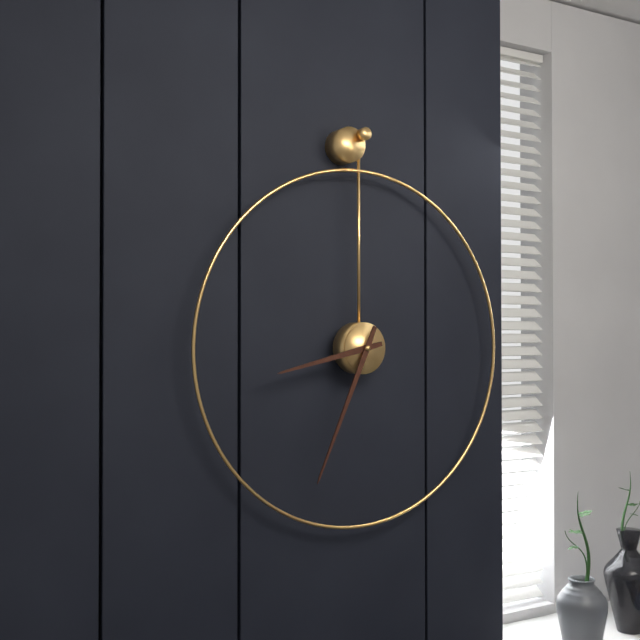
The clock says **8:34**
